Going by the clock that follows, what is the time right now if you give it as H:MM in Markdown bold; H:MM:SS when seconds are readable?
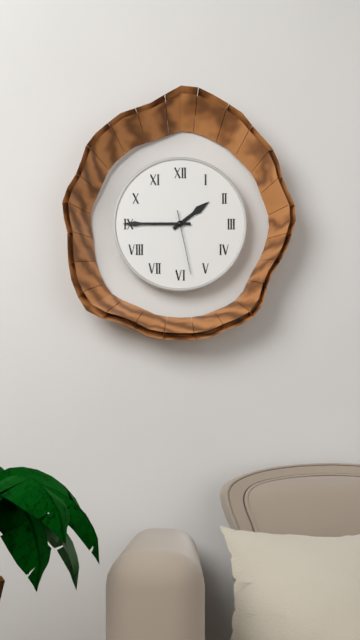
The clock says **1:45:28**
